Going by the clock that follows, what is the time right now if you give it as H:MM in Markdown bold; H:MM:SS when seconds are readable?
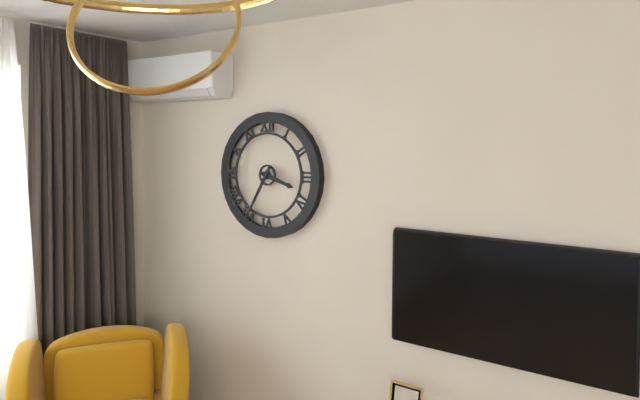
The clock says **3:35**
